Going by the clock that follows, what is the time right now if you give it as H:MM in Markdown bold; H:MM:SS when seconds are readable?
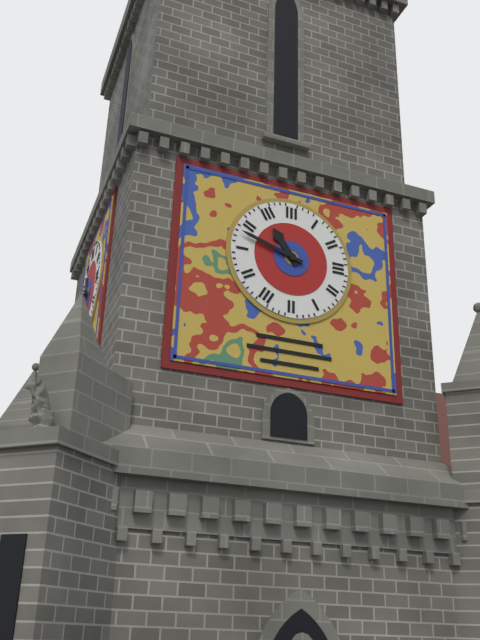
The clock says **10:48**
